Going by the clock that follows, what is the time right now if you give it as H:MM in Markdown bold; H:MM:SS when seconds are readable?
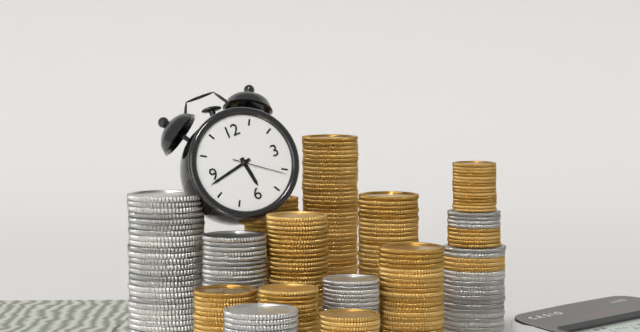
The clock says **5:43:21**
